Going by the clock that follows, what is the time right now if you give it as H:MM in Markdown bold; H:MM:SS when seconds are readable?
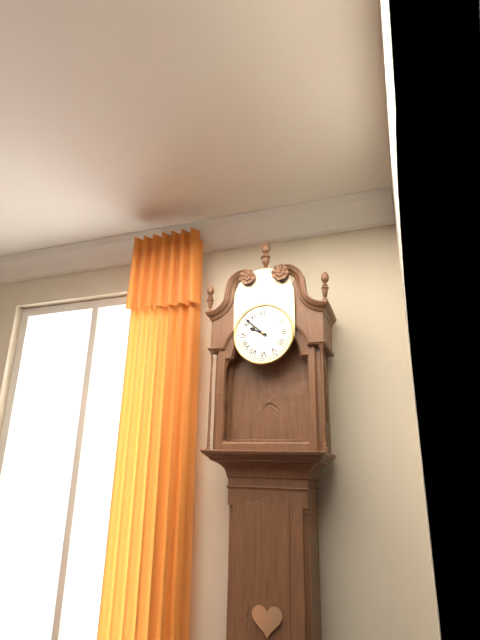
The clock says **9:52**
